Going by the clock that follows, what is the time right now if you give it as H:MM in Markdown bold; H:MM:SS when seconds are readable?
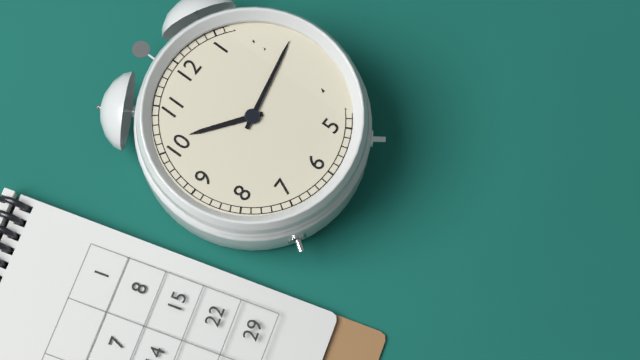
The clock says **10:13**
